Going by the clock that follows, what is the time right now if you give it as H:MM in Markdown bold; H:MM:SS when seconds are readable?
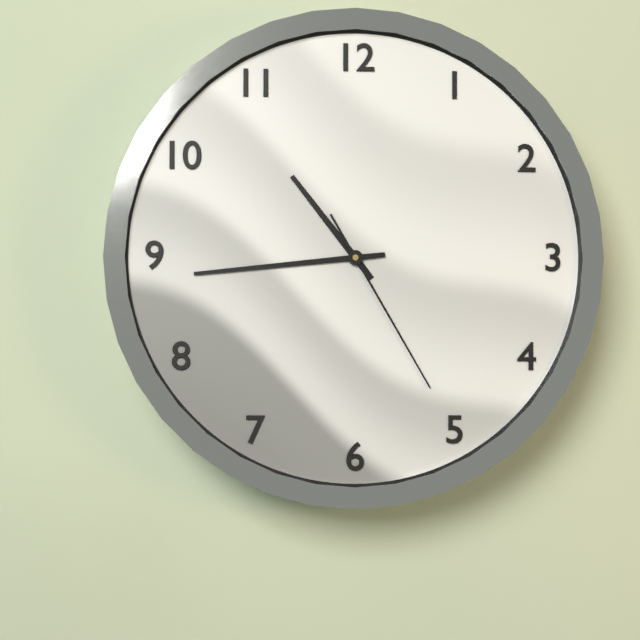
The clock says **10:44:25**
